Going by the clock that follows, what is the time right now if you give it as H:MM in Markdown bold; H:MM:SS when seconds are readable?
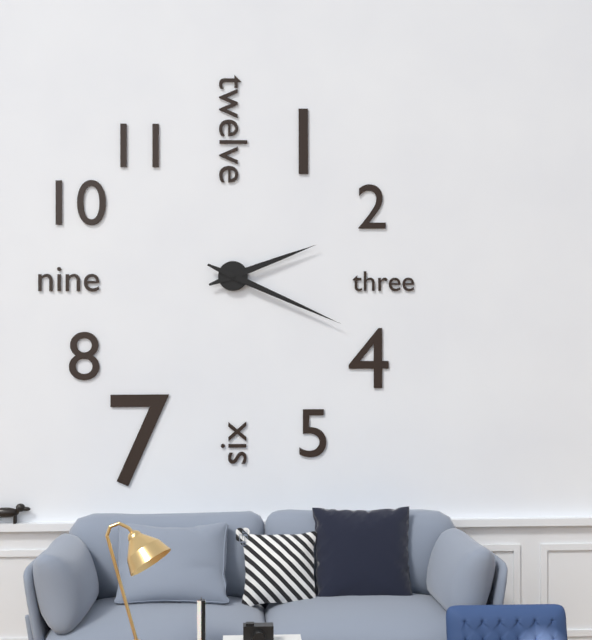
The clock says **2:19**
